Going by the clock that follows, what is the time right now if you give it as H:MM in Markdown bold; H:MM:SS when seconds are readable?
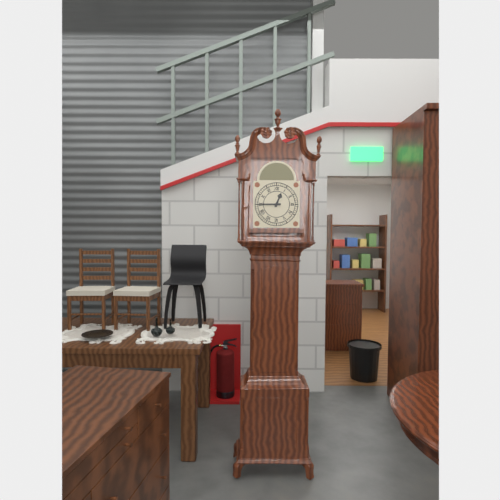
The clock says **12:45**
